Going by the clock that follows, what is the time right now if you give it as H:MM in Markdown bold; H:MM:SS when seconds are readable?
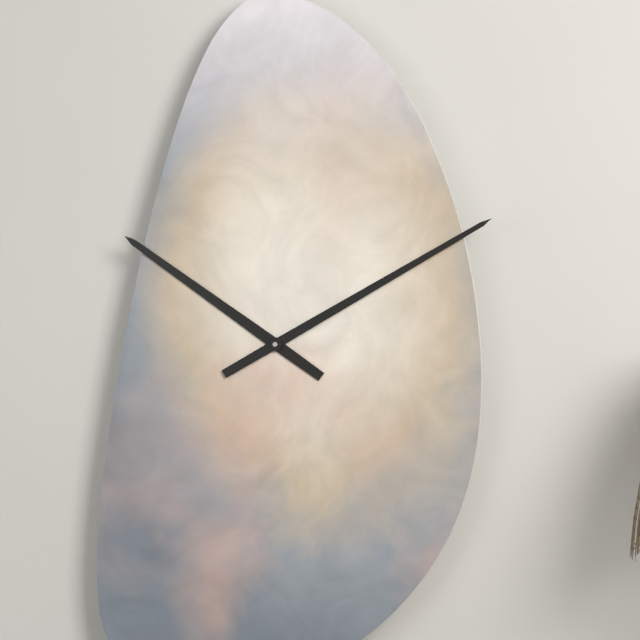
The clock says **10:10**
